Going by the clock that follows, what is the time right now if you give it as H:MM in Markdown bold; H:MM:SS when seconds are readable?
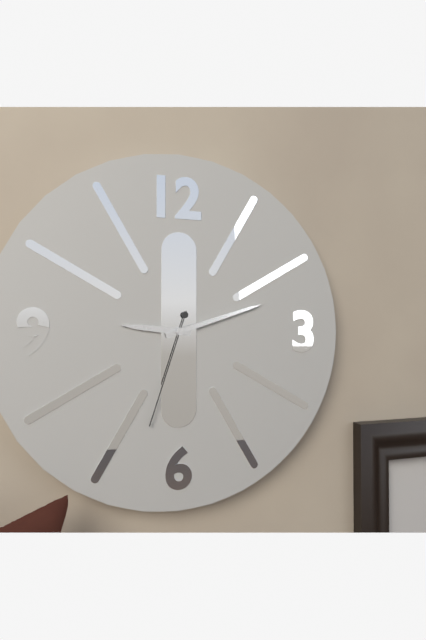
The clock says **9:12:33**
